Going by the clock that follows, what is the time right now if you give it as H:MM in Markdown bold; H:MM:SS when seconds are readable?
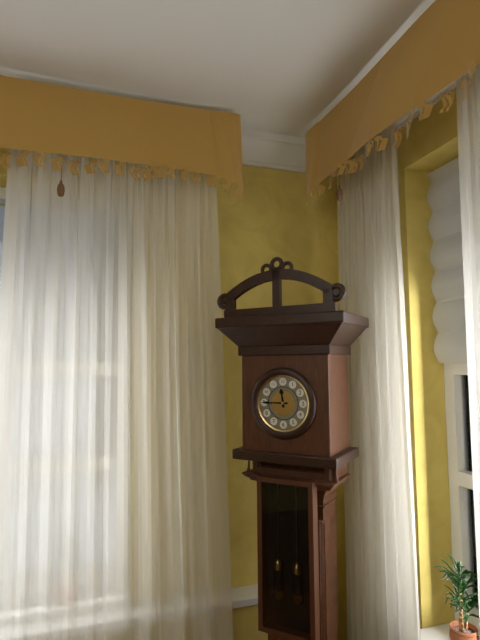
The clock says **11:45**
